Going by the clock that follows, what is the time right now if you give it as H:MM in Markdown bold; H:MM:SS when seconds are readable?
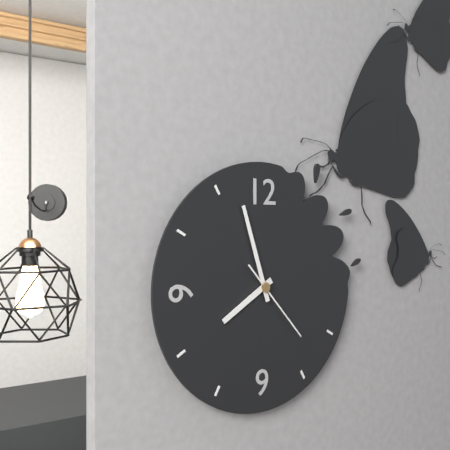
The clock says **7:57:23**
